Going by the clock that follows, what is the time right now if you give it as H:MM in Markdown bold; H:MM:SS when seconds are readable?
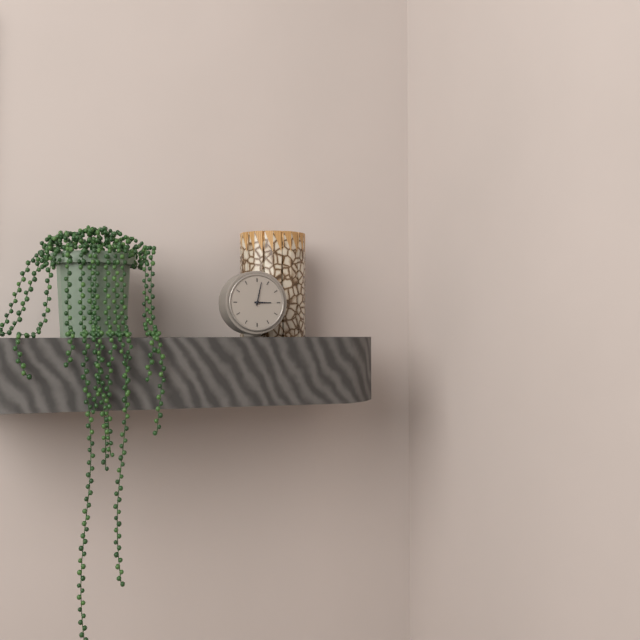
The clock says **3:02**
